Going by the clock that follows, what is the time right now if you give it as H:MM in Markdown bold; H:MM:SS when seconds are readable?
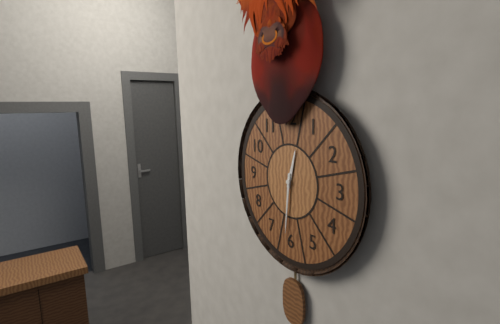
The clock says **12:31**
